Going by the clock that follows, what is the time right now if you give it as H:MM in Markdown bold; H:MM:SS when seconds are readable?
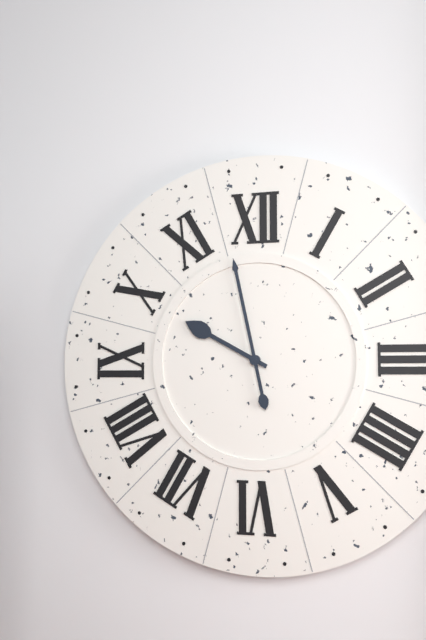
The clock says **9:58**
